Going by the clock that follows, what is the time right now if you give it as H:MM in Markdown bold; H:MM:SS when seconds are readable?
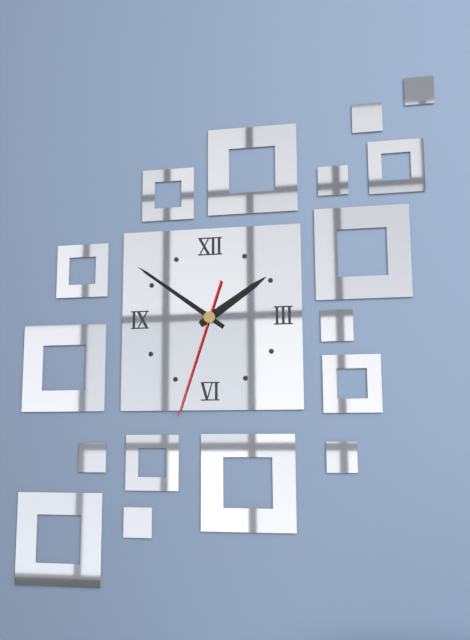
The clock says **1:51:33**
